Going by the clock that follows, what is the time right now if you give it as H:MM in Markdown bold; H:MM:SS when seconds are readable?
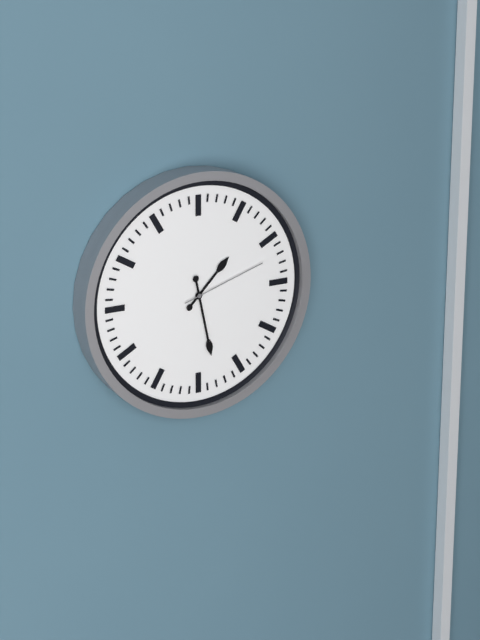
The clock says **1:28:12**
